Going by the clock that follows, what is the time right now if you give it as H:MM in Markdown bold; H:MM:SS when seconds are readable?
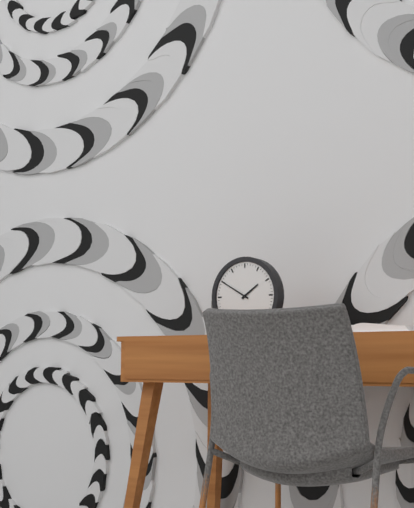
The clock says **1:50**
